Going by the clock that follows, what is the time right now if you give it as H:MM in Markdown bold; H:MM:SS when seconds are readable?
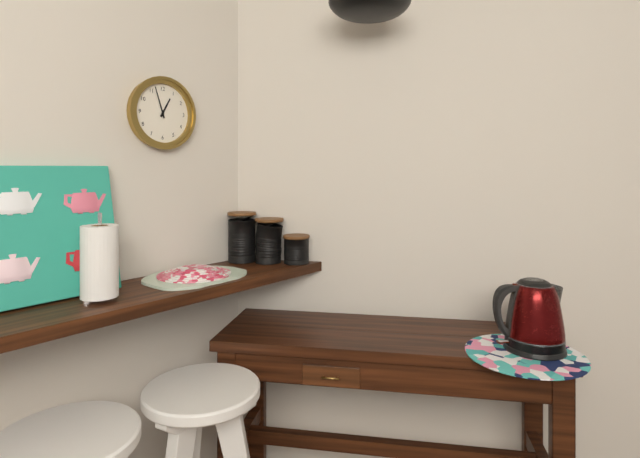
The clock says **12:57**
